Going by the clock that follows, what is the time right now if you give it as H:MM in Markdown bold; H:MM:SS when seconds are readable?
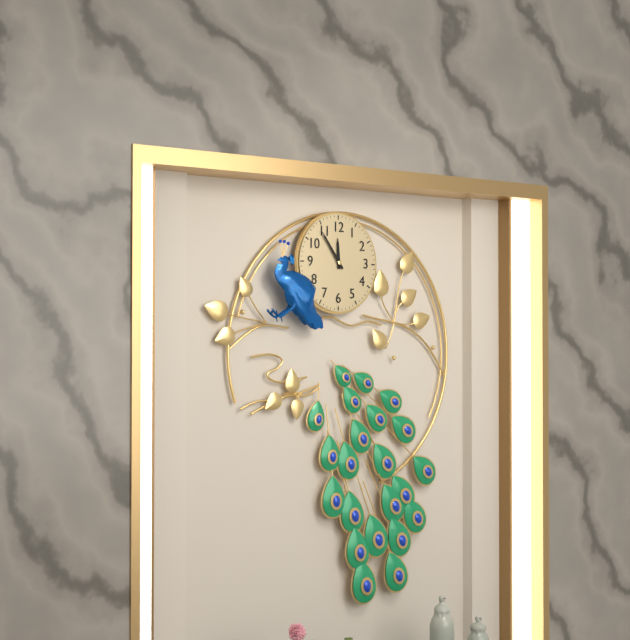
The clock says **11:54**
